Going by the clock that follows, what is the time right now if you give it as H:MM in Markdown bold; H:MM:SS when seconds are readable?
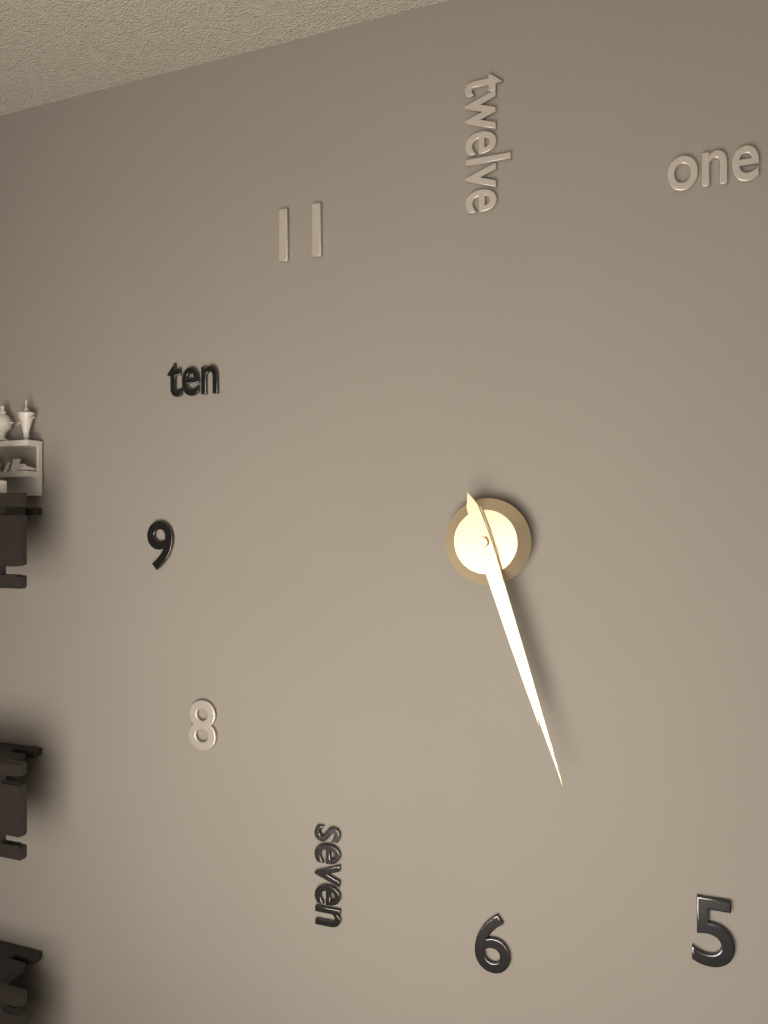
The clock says **5:27**
